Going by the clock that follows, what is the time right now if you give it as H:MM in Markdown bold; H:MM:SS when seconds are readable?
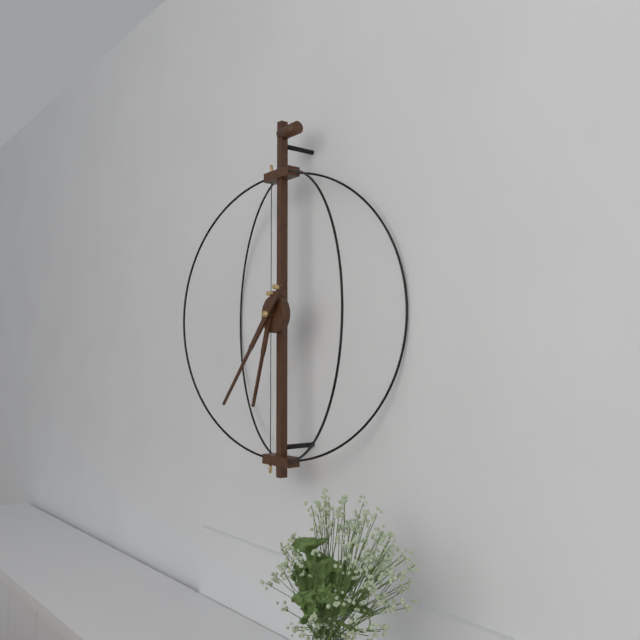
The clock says **6:37**
